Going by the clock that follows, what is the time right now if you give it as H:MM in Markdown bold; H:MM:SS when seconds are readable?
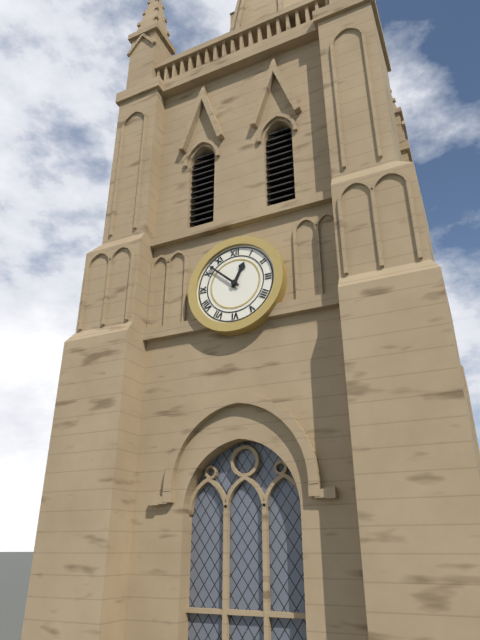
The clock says **12:52**
